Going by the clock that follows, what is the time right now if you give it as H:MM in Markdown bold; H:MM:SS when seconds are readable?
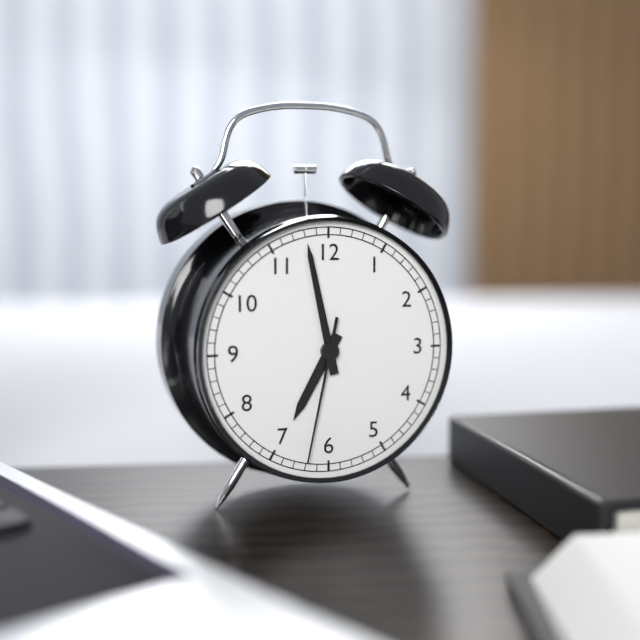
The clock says **6:58:32**
